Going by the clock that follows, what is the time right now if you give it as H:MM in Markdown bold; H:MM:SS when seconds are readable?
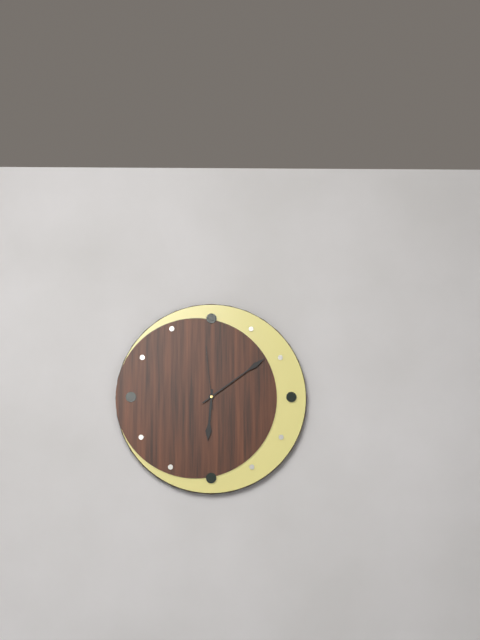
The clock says **6:09:59**
